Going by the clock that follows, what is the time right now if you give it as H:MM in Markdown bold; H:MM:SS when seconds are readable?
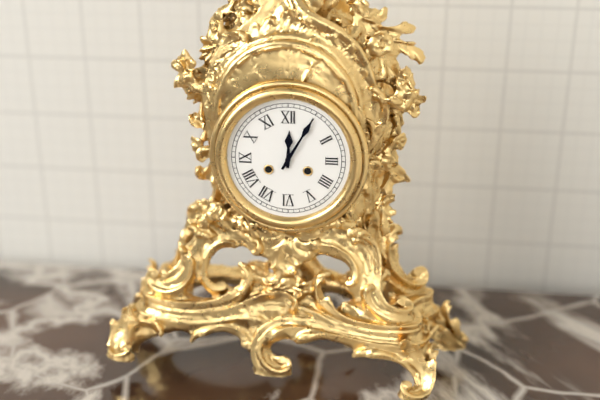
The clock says **12:05**
